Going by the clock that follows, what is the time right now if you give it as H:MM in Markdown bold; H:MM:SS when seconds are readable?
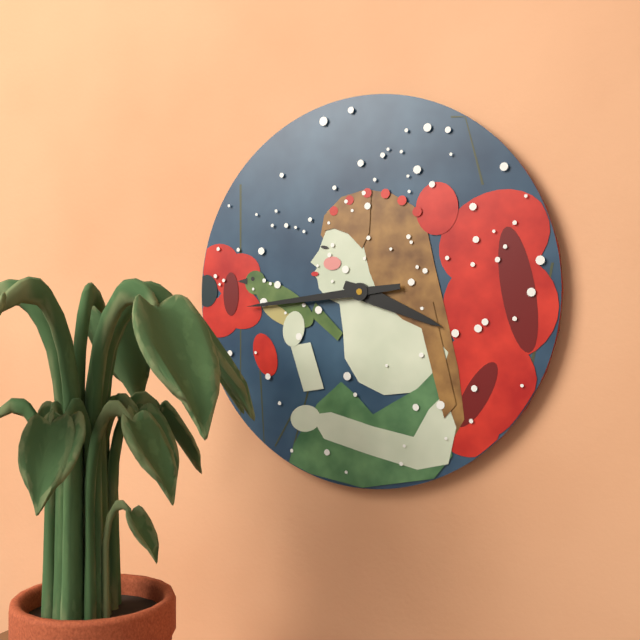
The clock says **3:44**
